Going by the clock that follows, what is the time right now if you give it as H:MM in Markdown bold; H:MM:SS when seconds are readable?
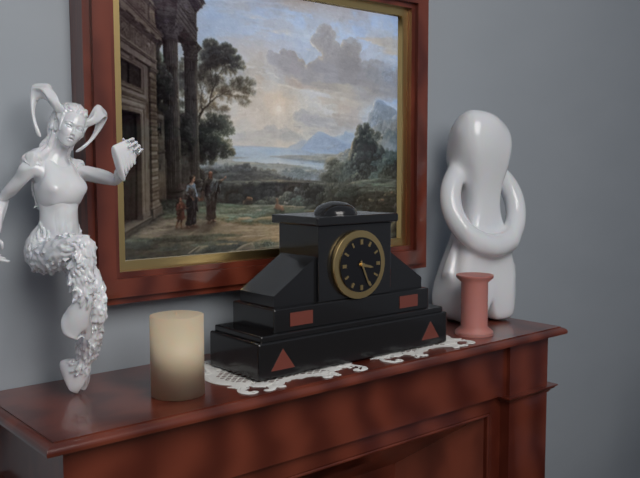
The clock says **3:26**
